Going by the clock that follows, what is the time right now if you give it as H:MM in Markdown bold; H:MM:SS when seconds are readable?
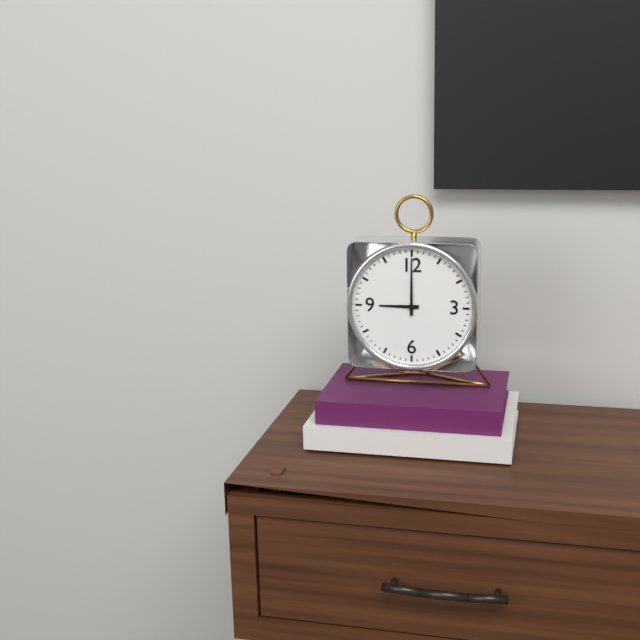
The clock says **9:00**
